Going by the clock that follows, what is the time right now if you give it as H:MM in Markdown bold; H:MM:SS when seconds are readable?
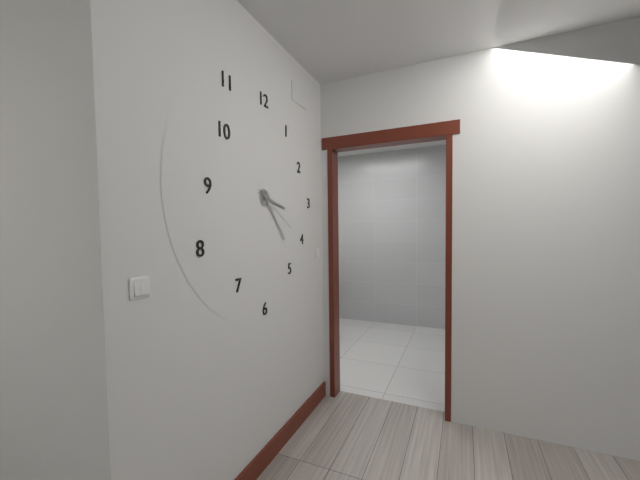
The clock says **3:23**
